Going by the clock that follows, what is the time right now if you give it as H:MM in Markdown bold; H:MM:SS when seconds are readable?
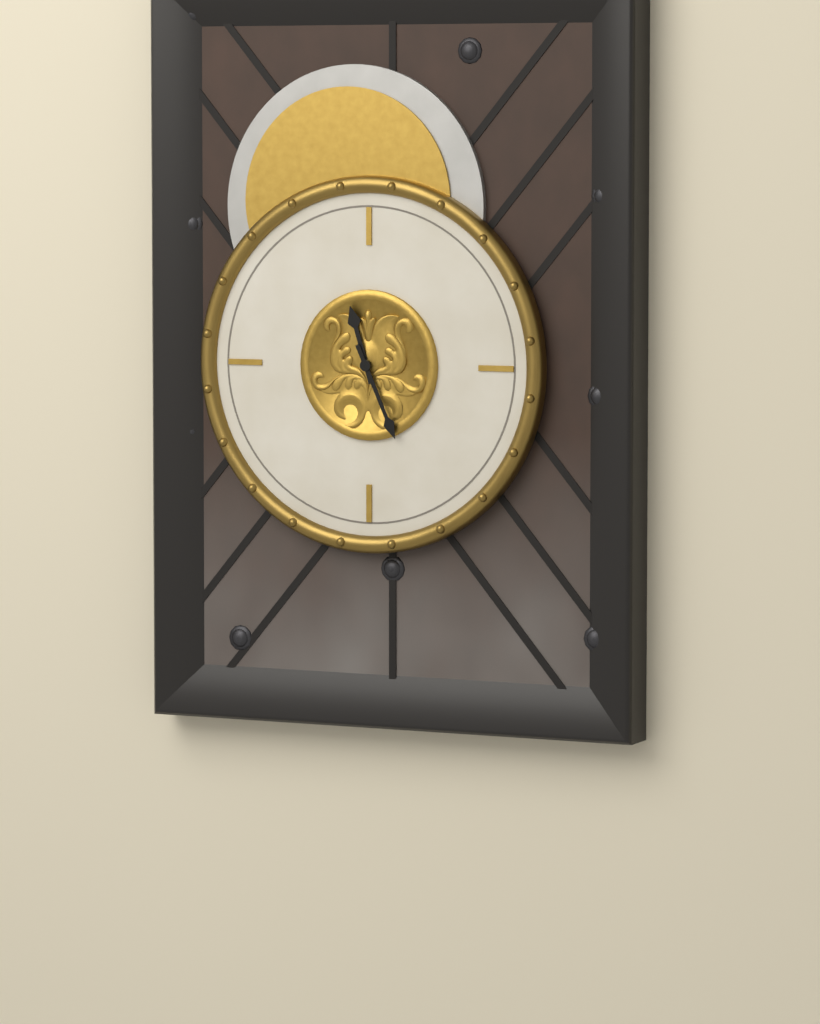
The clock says **11:26**
